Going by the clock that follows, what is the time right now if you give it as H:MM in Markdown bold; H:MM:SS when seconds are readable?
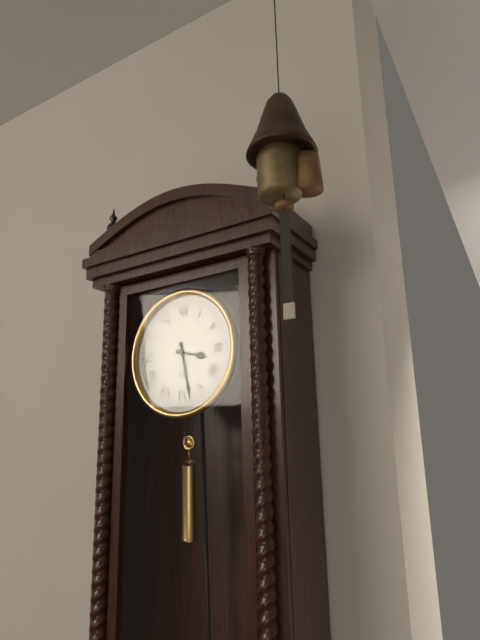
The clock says **3:28**
